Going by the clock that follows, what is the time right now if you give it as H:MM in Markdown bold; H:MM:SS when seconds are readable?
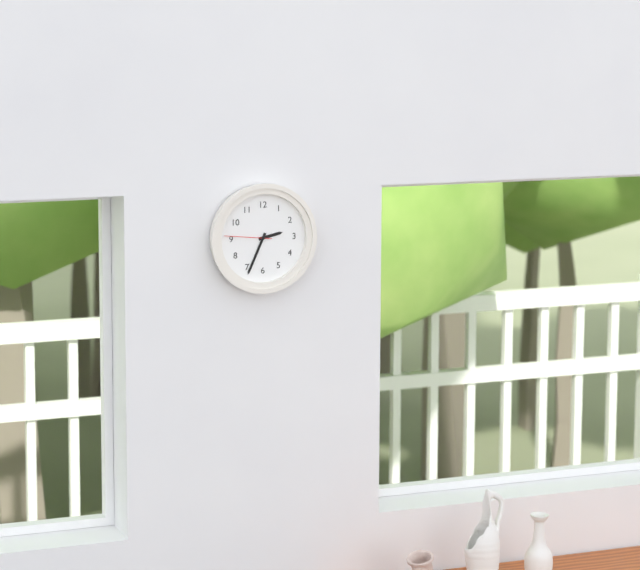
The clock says **2:34**
